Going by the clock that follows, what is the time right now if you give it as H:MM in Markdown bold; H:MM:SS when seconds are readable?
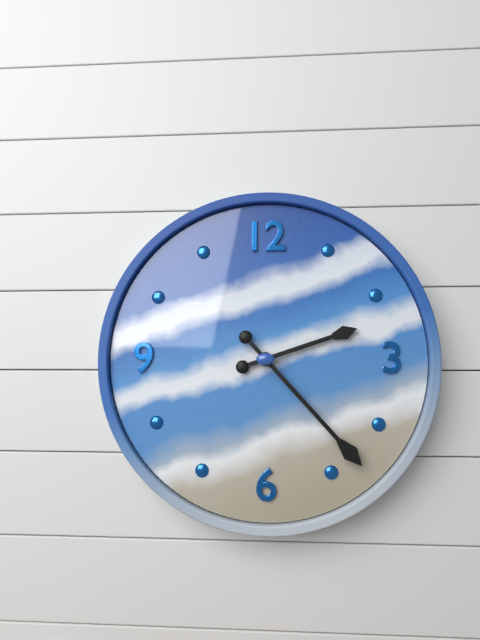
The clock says **2:23**
